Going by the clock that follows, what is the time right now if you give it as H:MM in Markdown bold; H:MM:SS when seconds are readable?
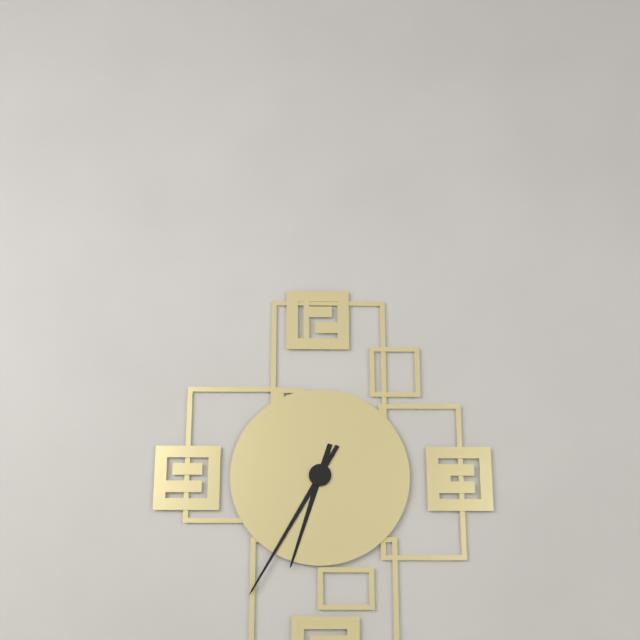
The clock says **6:35**
